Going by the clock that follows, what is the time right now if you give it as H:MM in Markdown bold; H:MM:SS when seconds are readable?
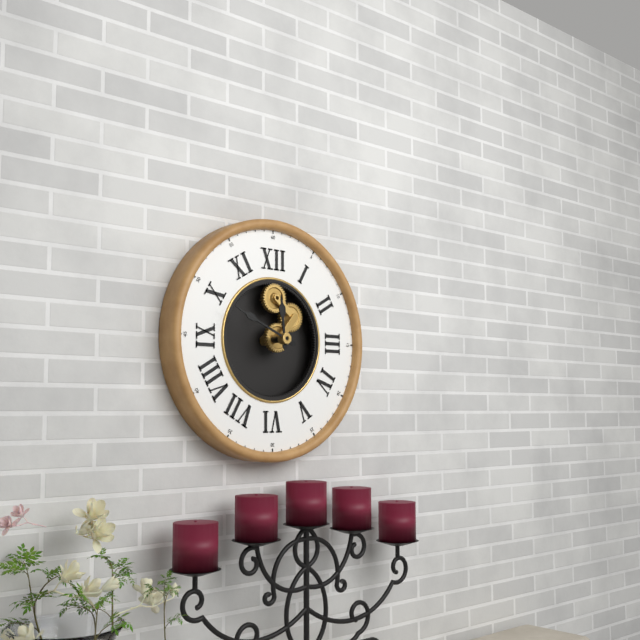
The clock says **11:49**
